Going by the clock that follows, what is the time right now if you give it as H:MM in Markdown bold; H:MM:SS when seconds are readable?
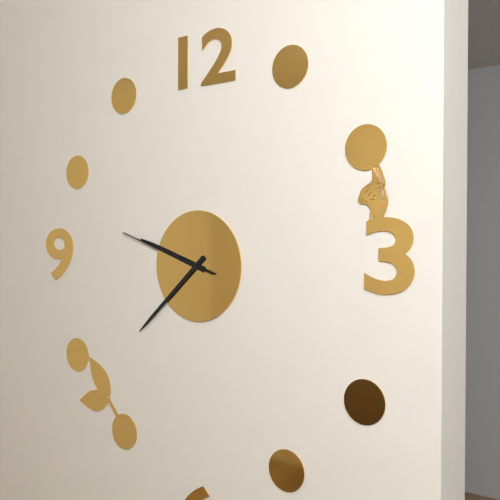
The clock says **9:38:48**
